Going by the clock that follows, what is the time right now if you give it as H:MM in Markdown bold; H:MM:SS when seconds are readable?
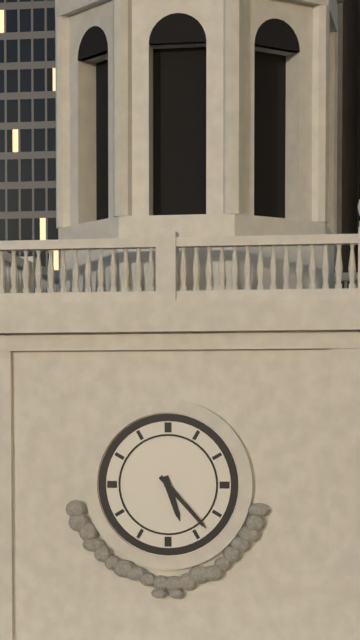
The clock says **5:23**
